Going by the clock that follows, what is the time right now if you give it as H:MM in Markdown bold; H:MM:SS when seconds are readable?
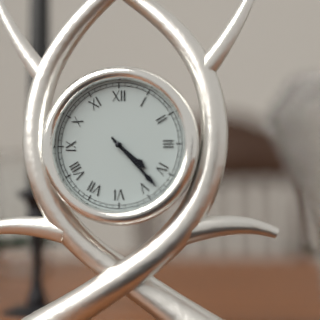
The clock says **4:23**
